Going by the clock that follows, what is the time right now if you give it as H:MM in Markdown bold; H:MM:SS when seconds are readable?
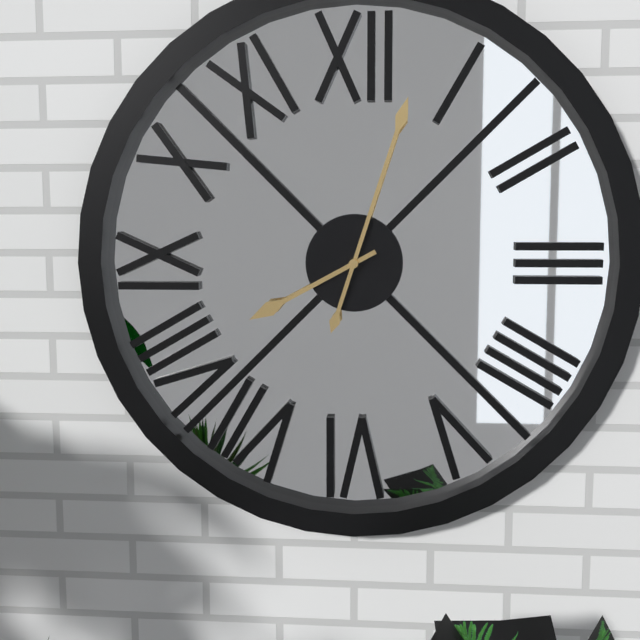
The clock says **8:03**
